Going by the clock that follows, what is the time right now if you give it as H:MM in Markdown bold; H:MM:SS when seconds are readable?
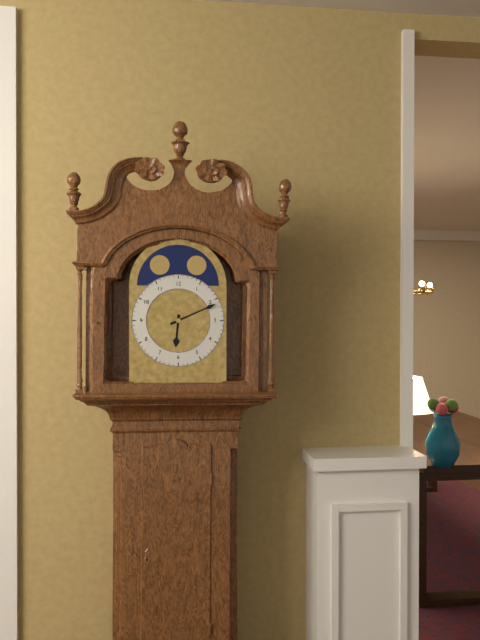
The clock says **6:11**
